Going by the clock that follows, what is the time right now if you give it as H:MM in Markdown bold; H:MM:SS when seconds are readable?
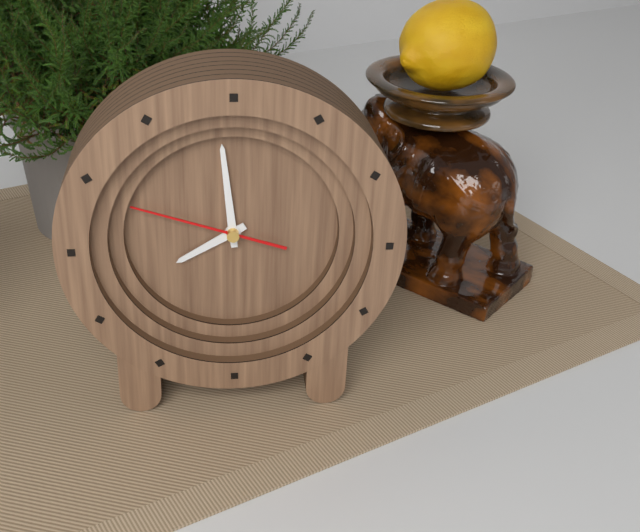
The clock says **7:59:48**
